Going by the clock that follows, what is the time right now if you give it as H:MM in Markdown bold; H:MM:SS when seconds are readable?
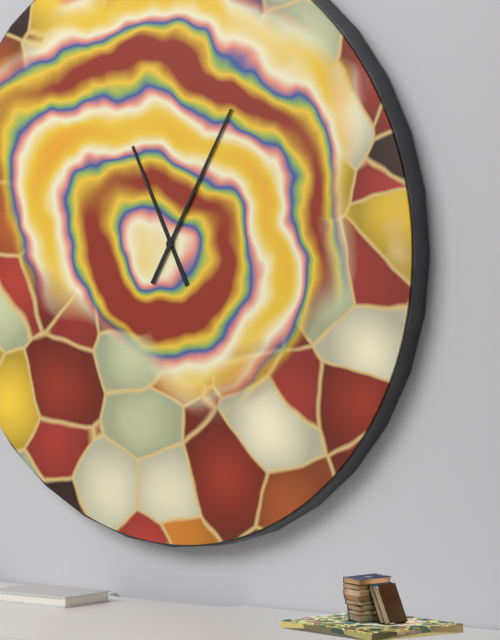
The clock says **11:05**
